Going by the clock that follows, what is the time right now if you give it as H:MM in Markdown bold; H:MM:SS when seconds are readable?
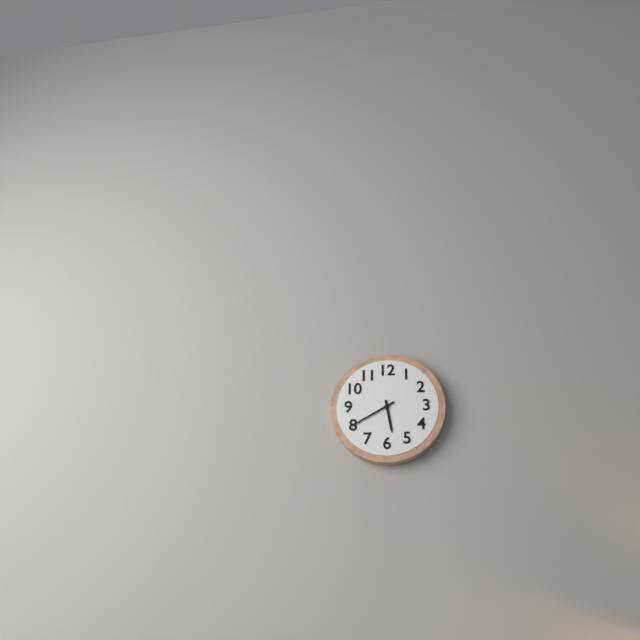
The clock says **5:40**
